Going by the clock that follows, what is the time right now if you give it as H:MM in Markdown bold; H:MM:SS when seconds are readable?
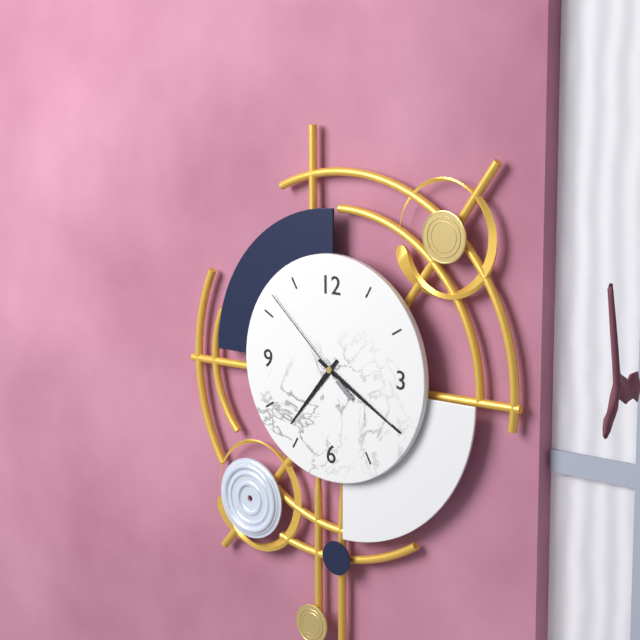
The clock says **7:20:52**
